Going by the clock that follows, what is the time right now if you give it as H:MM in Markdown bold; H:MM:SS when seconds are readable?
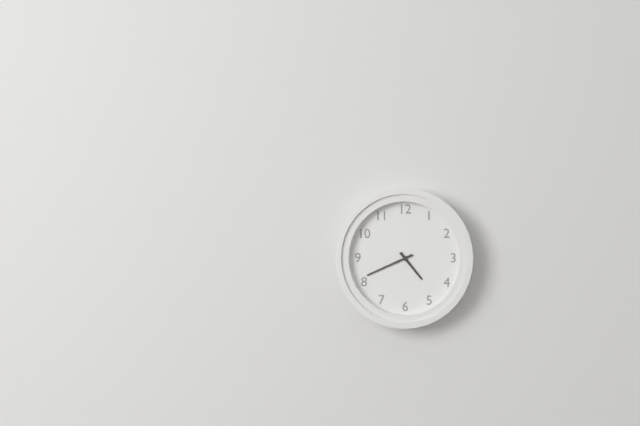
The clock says **4:41**
